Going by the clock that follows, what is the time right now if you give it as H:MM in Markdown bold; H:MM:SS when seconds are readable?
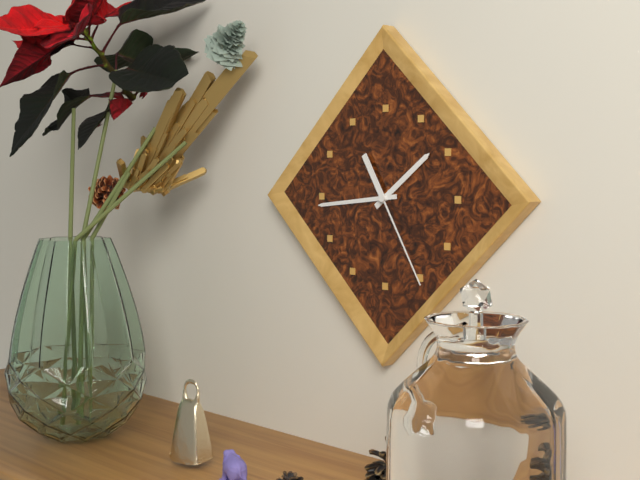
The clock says **1:44:25**
